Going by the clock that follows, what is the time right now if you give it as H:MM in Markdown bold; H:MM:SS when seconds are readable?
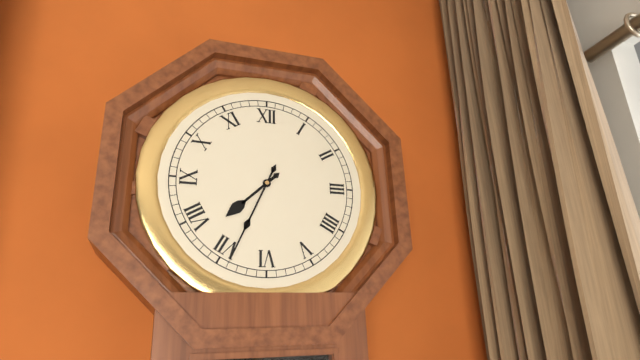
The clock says **7:34**
